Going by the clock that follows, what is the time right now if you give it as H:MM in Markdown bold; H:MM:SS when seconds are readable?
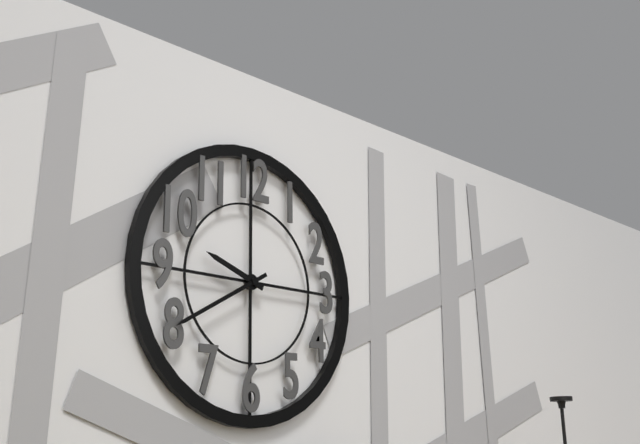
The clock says **9:40**
